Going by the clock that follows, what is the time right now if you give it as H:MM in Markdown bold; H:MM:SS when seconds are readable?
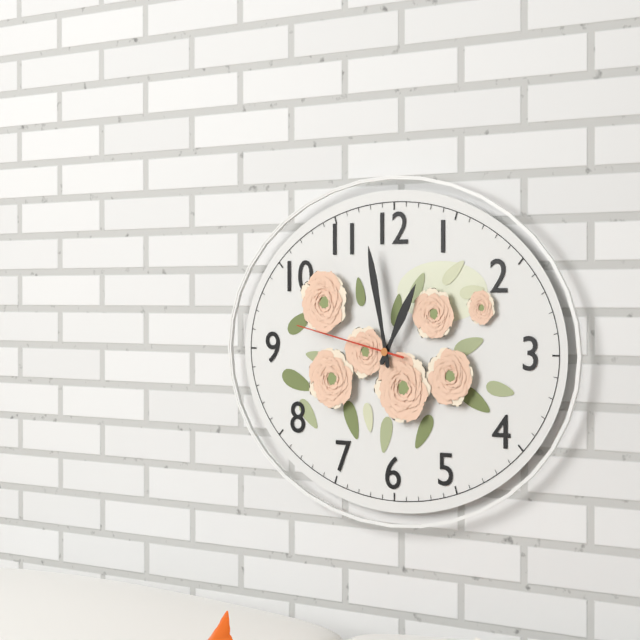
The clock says **12:58:47**
